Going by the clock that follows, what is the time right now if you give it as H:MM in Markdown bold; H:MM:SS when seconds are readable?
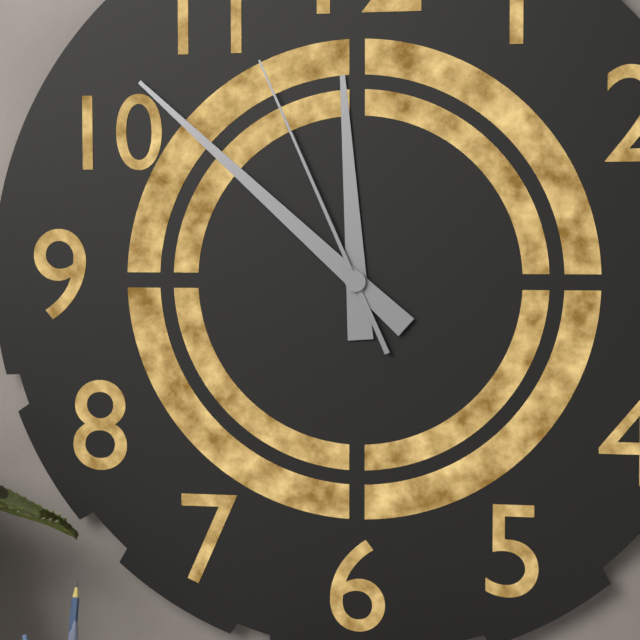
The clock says **11:52:56**
